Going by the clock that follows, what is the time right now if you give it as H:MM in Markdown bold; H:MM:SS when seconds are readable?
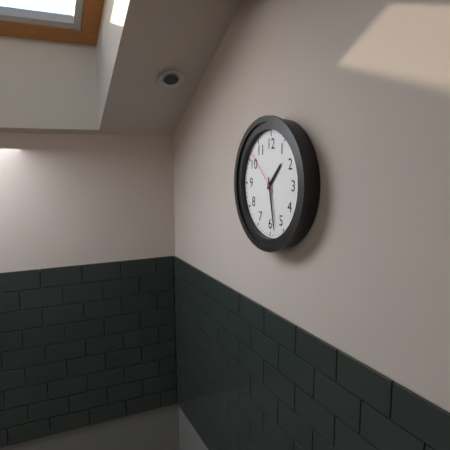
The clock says **1:28**
